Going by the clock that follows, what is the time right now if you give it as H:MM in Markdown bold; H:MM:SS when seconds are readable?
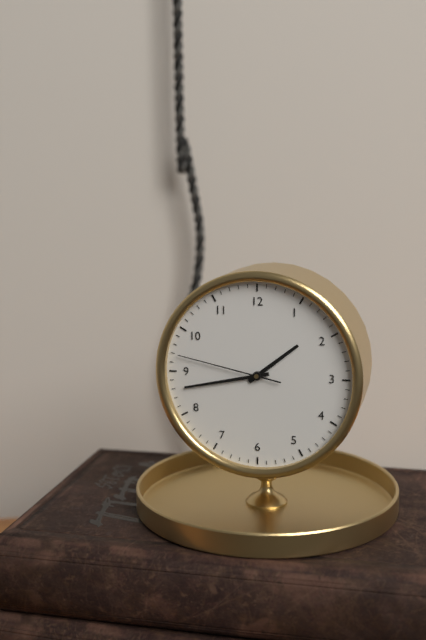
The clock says **1:43:47**
